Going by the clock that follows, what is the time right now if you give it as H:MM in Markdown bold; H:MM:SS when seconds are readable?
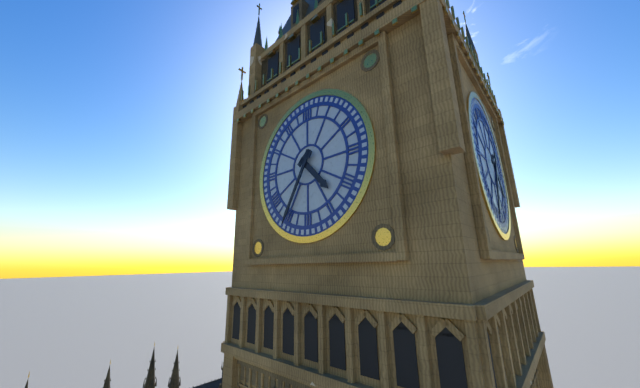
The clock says **4:35**
